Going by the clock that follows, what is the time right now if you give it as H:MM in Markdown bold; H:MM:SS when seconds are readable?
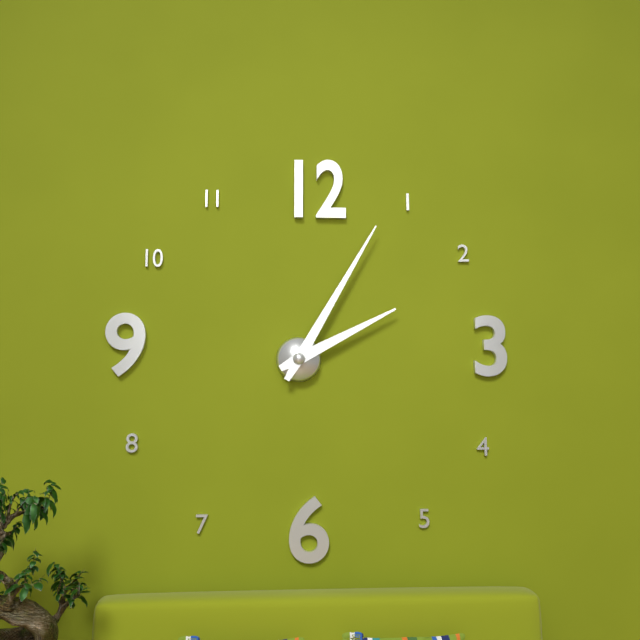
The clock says **2:05**
